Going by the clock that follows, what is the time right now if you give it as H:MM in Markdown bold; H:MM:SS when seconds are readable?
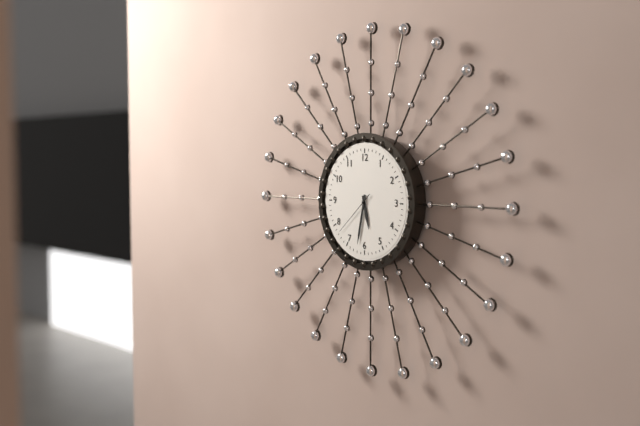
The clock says **5:32**
